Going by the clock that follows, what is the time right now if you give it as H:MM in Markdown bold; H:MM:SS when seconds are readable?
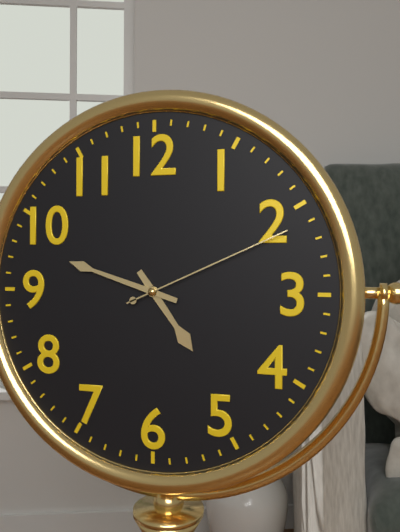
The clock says **4:48:11**
